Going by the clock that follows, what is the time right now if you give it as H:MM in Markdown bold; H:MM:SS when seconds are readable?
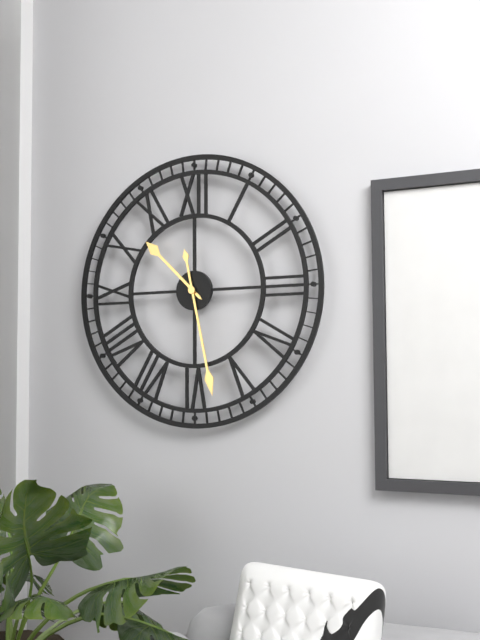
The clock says **10:28**
